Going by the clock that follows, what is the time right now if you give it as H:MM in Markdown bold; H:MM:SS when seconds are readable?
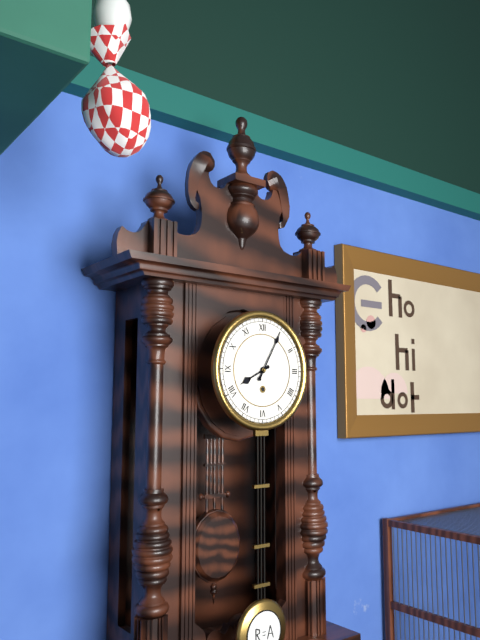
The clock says **8:05**
